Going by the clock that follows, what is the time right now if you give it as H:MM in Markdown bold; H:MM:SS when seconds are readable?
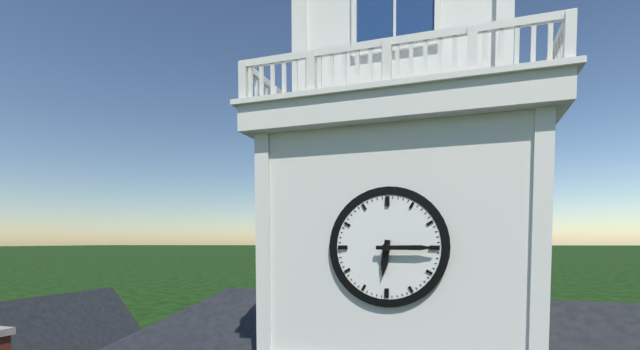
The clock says **6:15**
